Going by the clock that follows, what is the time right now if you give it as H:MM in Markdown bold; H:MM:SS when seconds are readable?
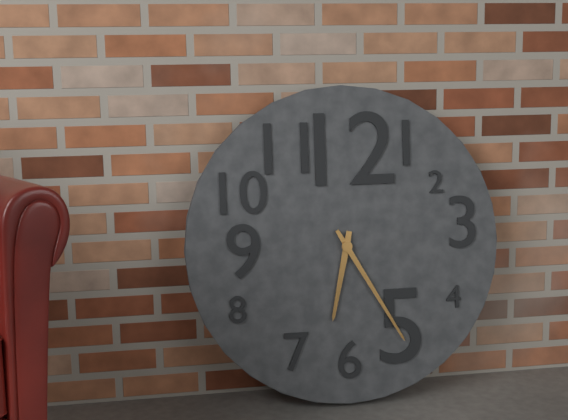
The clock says **6:25**
